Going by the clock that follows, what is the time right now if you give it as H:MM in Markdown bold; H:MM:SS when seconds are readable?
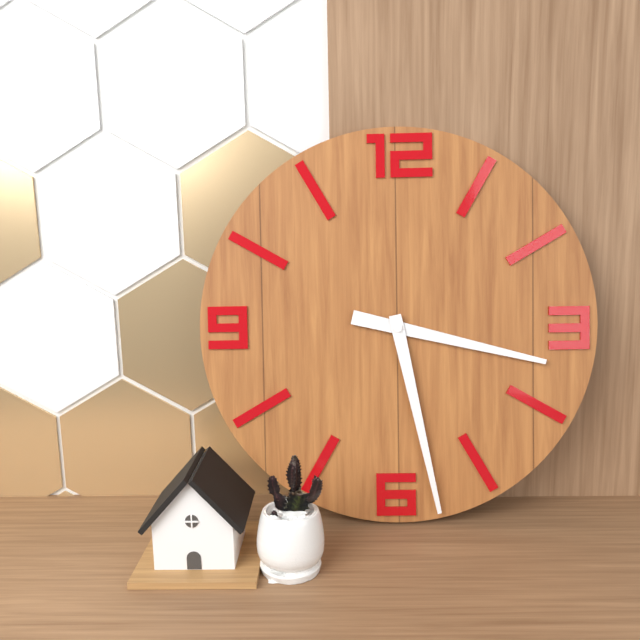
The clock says **3:28**
